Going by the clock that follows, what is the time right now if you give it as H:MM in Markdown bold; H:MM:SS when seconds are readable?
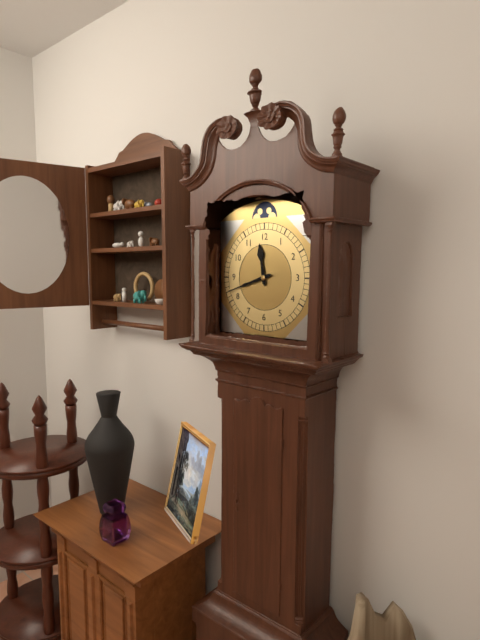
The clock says **11:42**
